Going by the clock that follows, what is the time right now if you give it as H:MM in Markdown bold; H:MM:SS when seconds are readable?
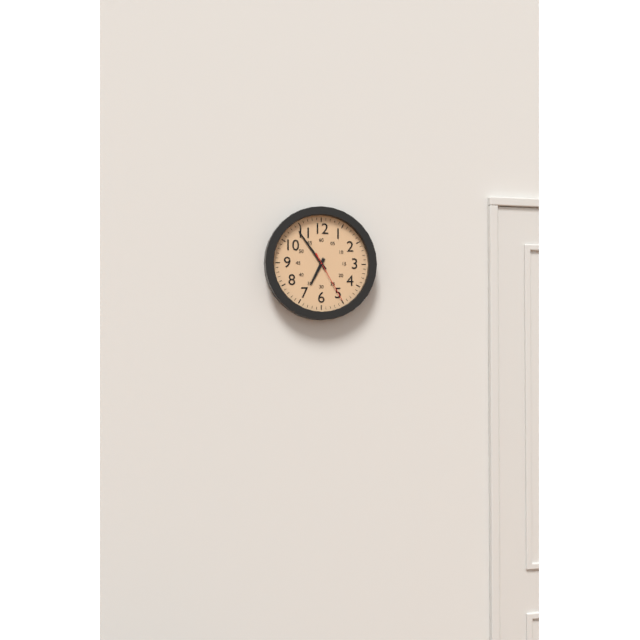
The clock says **6:54:25**
